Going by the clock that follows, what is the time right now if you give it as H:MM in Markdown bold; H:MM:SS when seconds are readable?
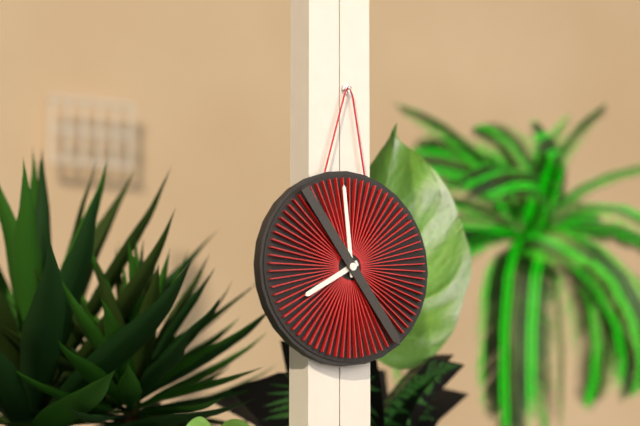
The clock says **7:59:24**
